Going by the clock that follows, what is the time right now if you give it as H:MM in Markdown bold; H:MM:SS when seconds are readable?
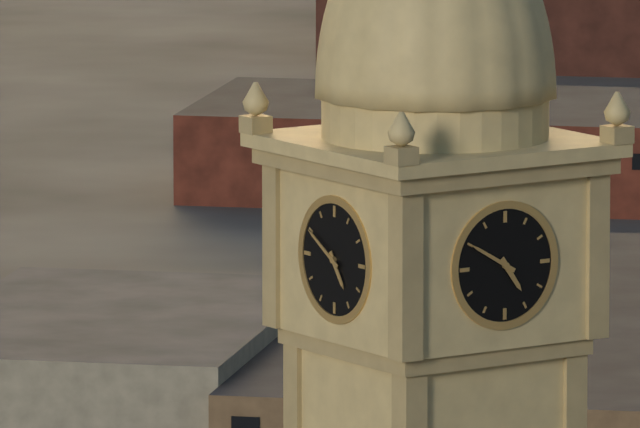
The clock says **4:50**
